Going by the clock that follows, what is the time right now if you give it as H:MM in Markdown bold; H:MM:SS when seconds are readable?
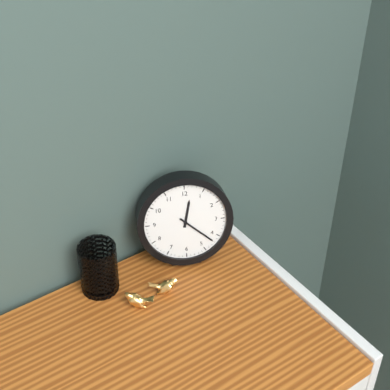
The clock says **12:22**
